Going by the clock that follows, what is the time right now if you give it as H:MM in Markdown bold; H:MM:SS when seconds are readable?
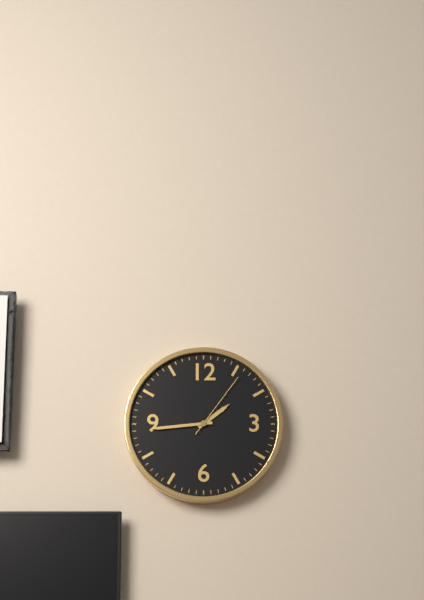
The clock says **1:44:06**
